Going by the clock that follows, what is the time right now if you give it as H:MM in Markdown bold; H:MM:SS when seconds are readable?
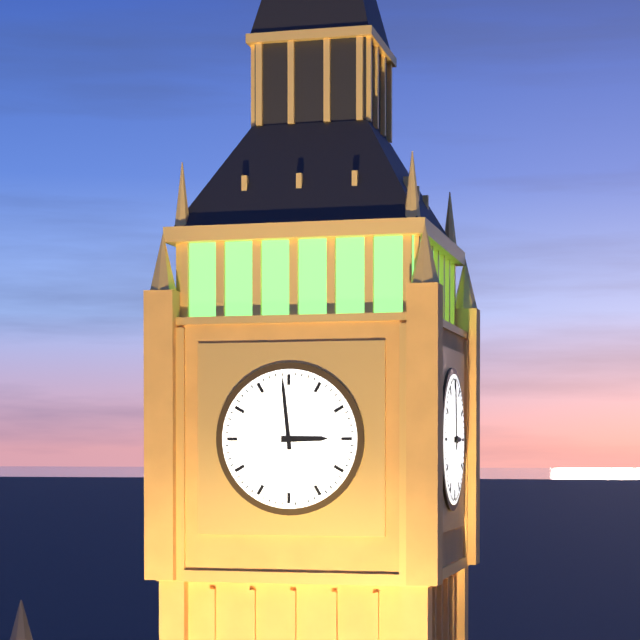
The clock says **2:59**
